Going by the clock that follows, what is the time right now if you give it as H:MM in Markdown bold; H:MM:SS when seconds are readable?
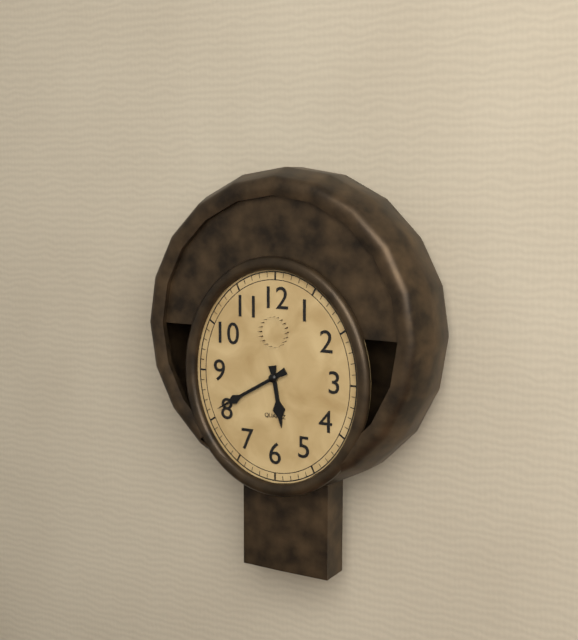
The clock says **5:40**
